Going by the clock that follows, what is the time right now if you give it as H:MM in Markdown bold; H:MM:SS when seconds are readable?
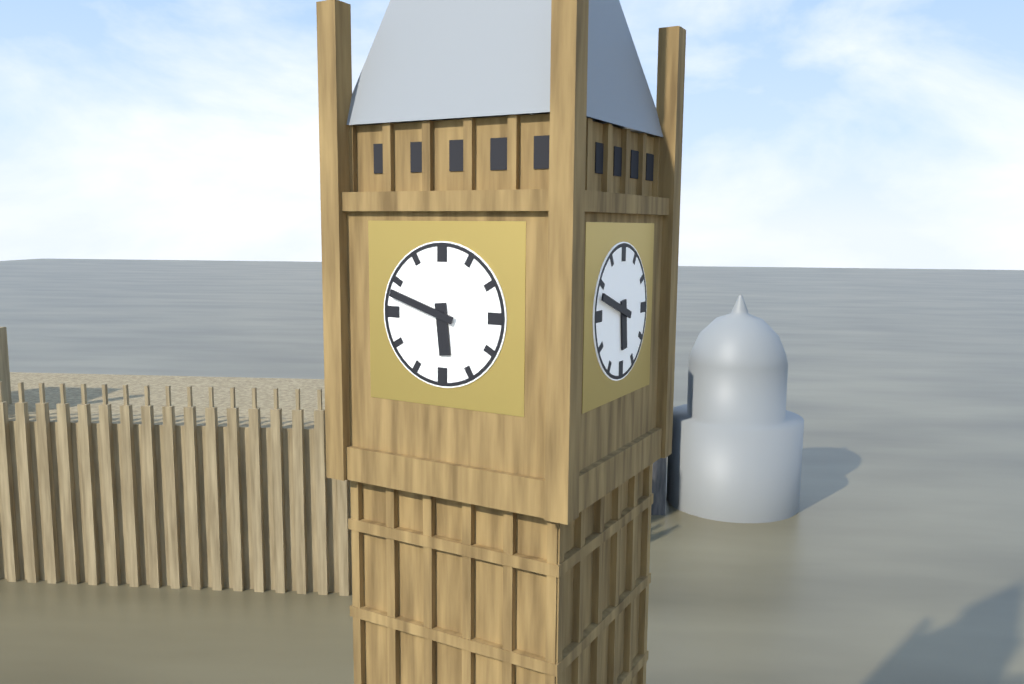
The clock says **5:48**
